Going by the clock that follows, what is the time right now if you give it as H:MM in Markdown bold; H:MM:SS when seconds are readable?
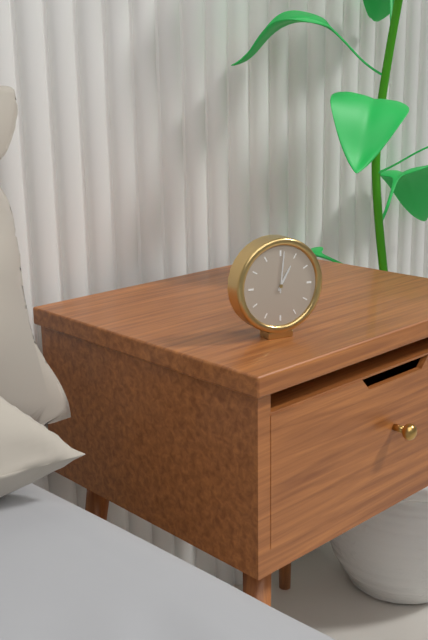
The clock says **1:01**
